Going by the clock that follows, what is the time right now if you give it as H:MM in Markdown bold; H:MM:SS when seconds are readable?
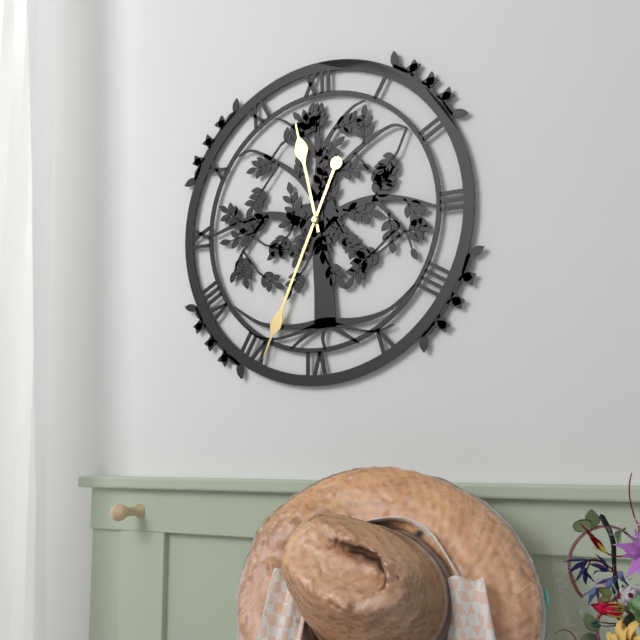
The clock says **11:34**
